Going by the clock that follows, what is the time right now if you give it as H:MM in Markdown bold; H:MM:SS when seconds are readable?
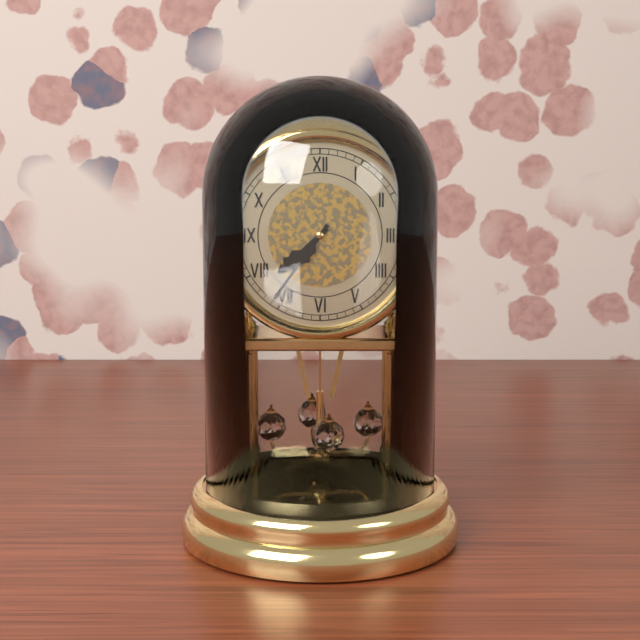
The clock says **7:36**
